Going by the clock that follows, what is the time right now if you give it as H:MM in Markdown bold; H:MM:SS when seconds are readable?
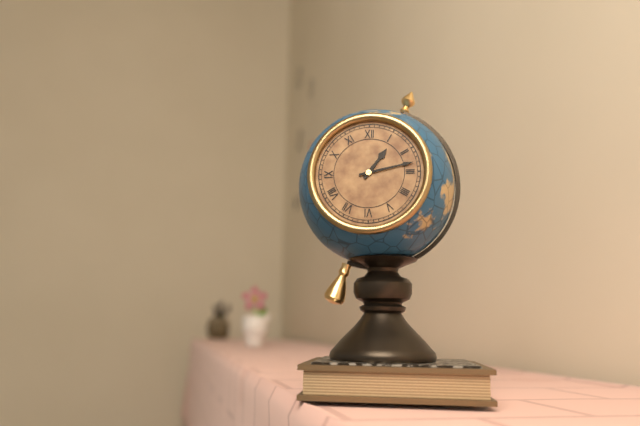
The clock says **1:13**
